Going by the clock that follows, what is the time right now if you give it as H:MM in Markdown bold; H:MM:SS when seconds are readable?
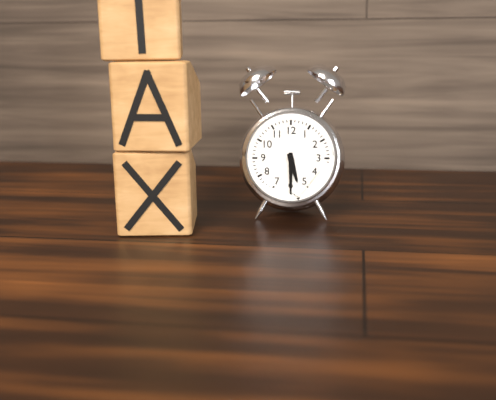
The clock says **5:30**
